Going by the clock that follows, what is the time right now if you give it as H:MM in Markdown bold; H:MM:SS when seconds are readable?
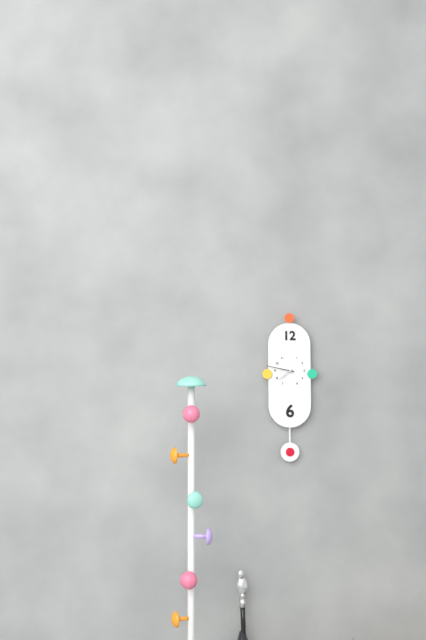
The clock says **7:47**
